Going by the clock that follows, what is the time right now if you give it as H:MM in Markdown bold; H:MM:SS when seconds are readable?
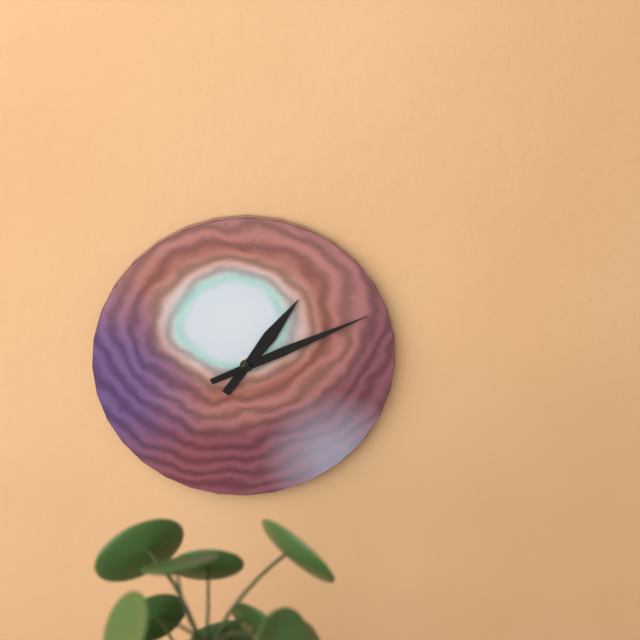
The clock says **1:11**
